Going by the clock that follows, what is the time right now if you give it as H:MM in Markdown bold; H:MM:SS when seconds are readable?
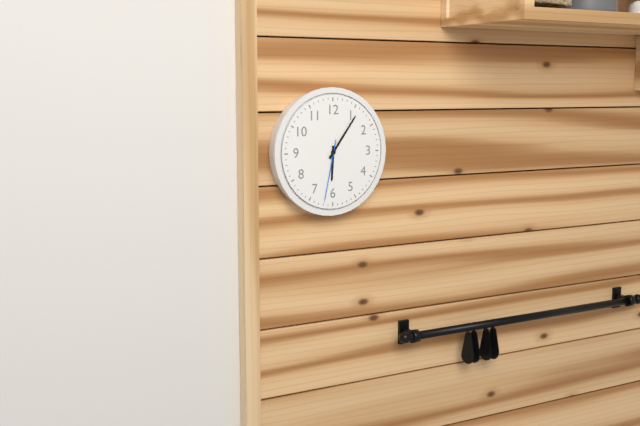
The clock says **6:06:32**
